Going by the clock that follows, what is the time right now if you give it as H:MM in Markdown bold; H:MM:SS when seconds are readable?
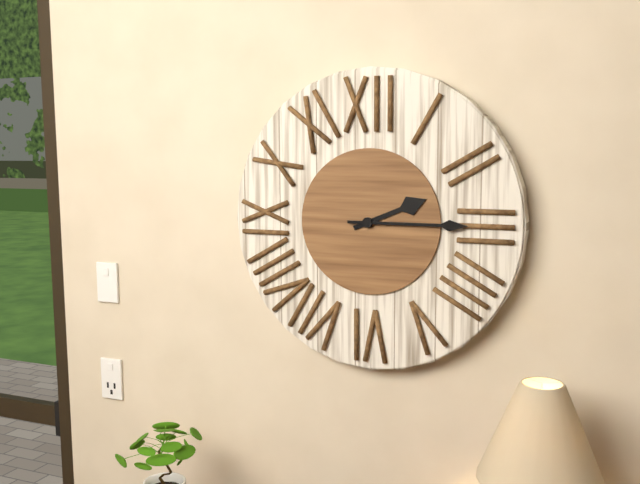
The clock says **2:15**
